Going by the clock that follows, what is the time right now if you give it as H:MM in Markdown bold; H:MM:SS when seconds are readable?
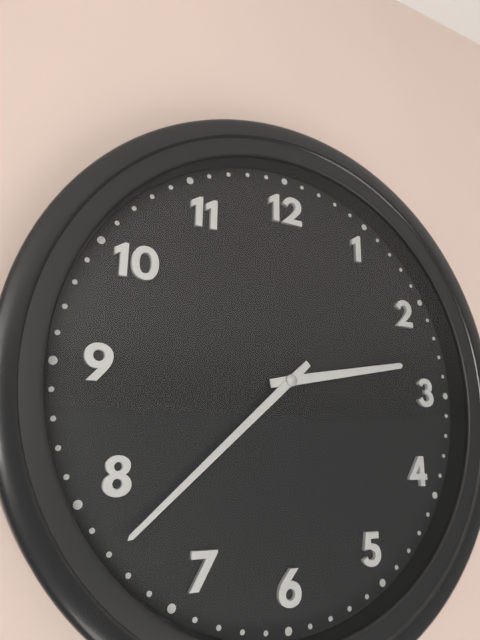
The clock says **2:38**
